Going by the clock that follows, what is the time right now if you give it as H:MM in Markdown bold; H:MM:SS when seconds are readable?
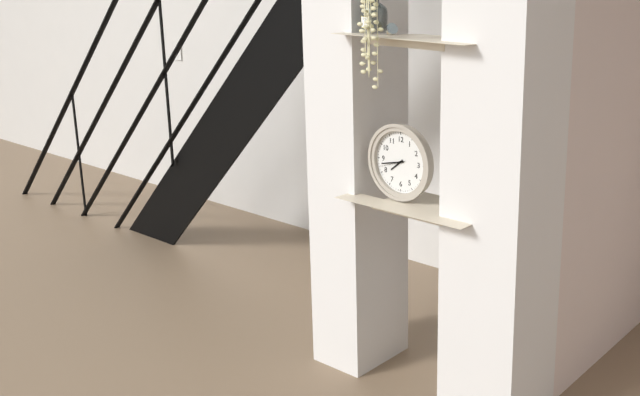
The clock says **7:43**
